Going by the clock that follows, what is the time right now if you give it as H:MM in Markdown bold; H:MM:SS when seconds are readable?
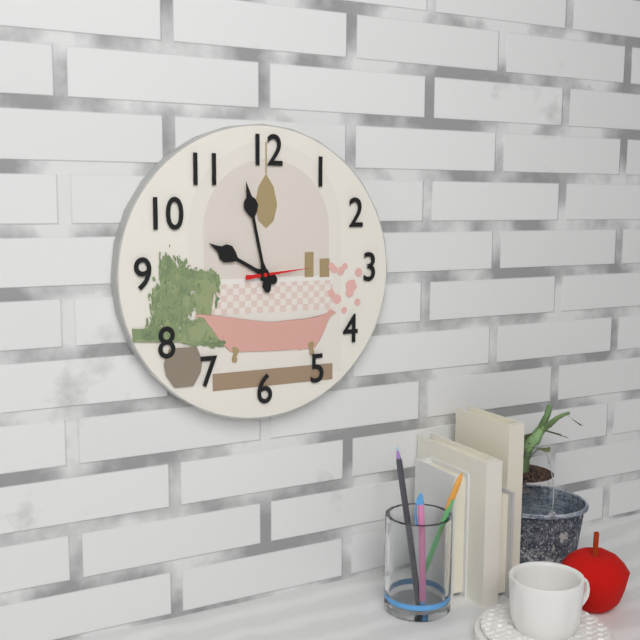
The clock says **9:58:14**
